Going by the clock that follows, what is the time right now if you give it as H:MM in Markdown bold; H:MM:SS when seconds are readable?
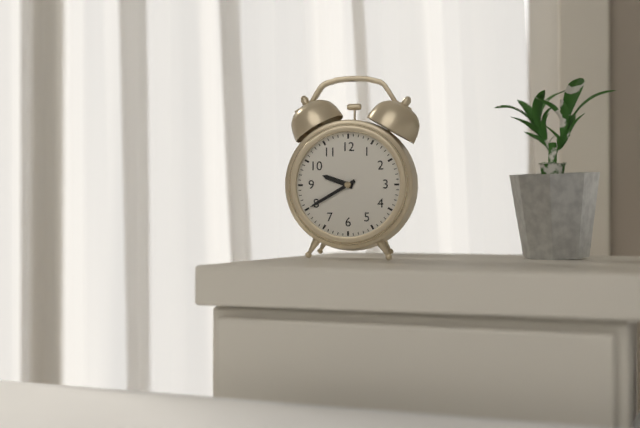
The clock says **9:40**
